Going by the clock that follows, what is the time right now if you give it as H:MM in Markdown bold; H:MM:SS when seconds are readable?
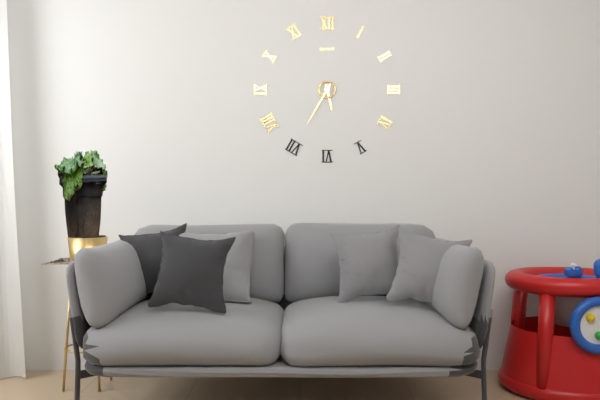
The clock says **5:35**
